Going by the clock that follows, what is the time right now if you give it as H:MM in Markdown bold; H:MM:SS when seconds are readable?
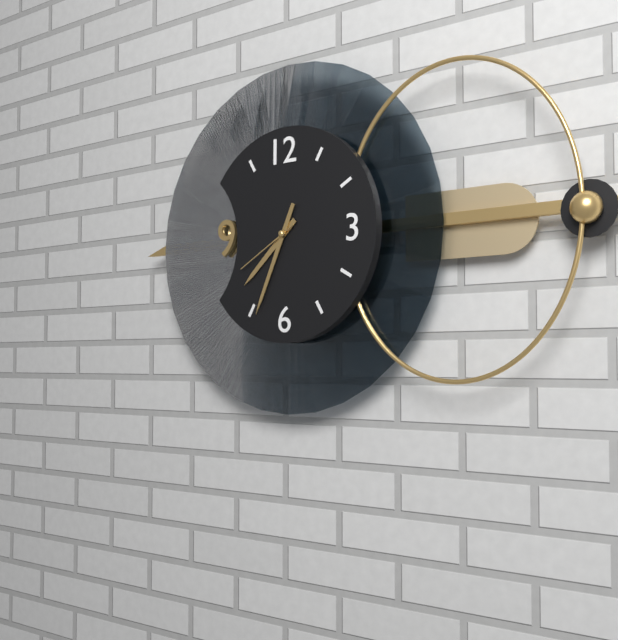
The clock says **7:34:40**
